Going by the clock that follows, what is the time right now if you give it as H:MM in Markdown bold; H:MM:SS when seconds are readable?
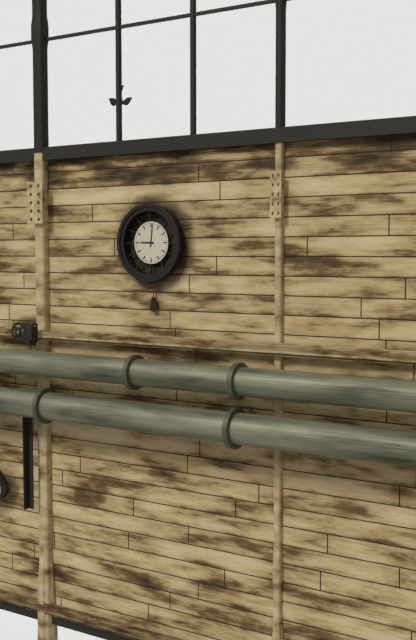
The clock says **9:01**
